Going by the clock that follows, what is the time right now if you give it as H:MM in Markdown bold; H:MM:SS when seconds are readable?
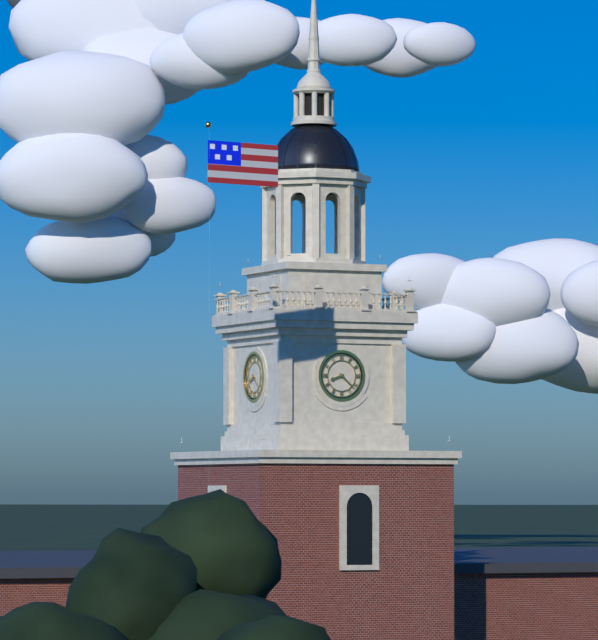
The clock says **8:22**
